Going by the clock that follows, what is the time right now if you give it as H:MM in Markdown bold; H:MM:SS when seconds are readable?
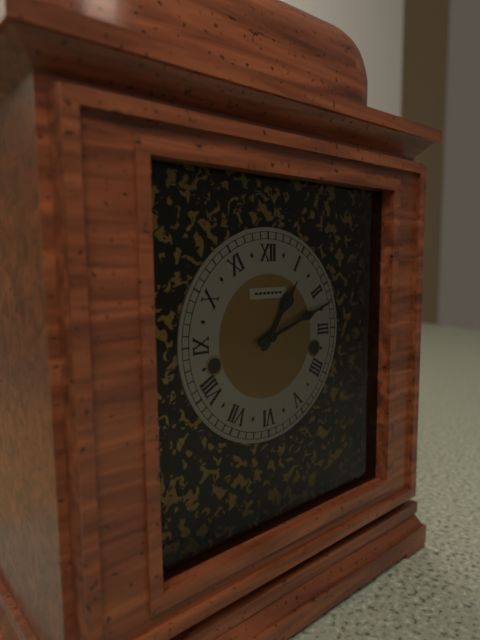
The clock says **1:12**
